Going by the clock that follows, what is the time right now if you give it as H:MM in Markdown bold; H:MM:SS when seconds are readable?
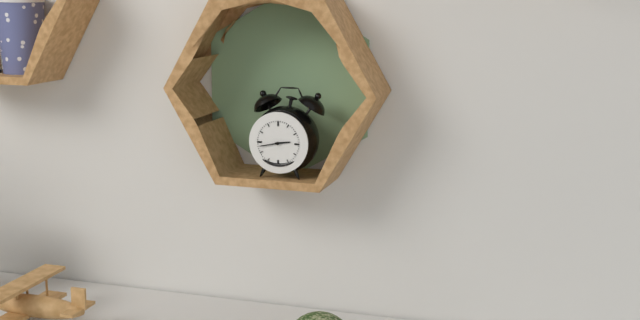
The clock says **2:43**
